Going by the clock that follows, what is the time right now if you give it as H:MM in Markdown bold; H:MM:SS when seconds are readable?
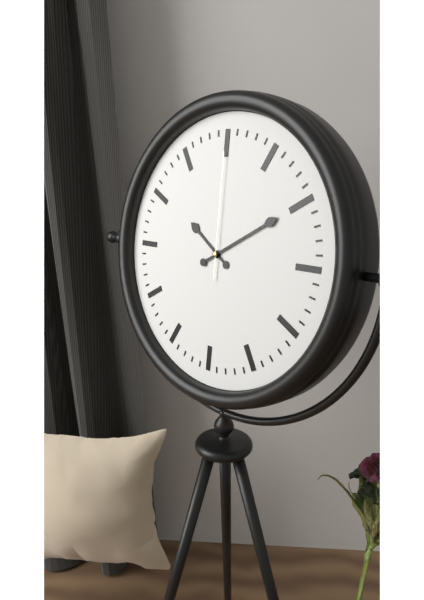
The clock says **10:10:00**
